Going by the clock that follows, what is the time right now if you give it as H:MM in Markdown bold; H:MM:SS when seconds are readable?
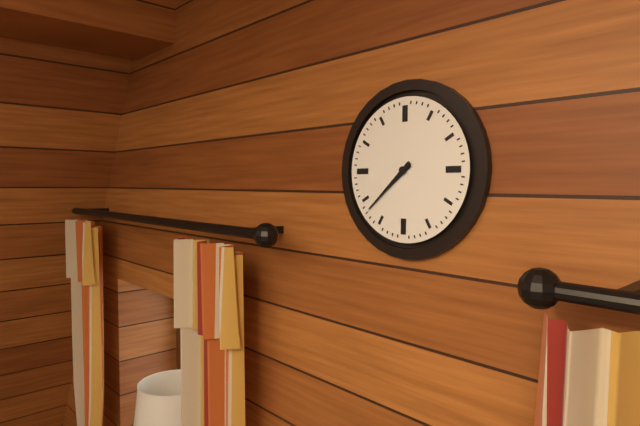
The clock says **7:38**
